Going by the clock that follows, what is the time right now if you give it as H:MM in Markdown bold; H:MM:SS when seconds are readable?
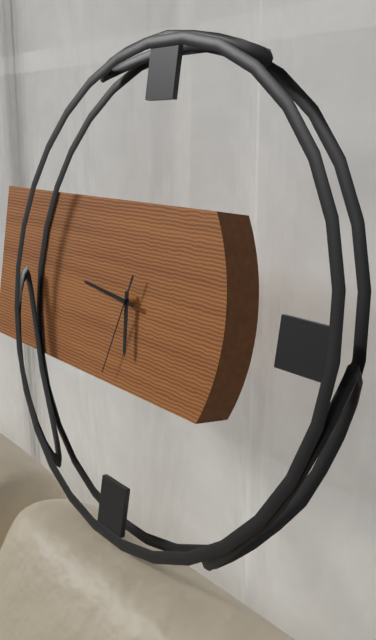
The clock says **5:46:33**
